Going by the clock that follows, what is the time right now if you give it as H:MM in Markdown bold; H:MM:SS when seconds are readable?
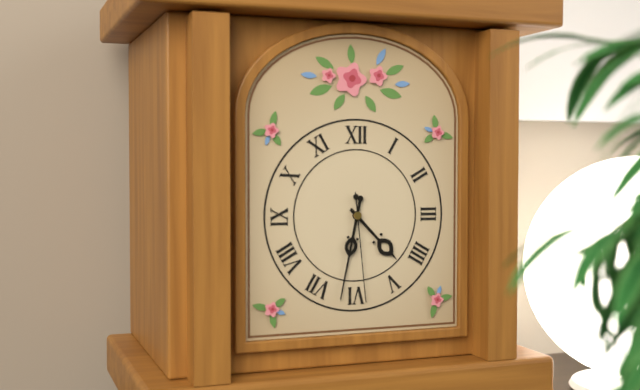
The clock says **4:32:29**
